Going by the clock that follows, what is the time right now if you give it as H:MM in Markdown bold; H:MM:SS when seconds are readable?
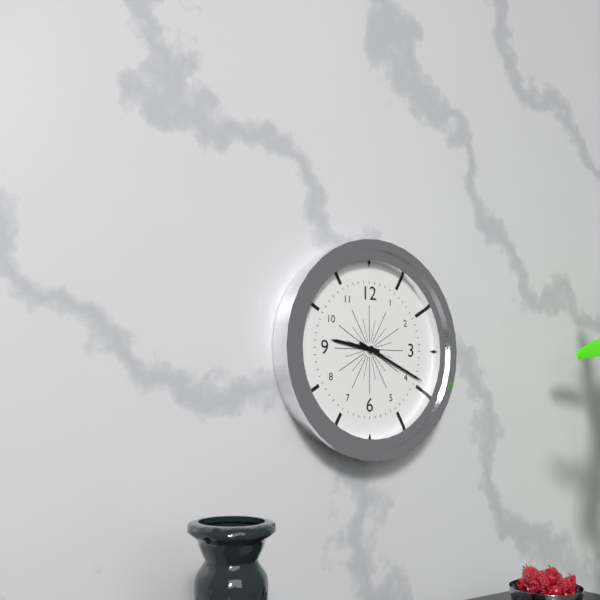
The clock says **9:19**
